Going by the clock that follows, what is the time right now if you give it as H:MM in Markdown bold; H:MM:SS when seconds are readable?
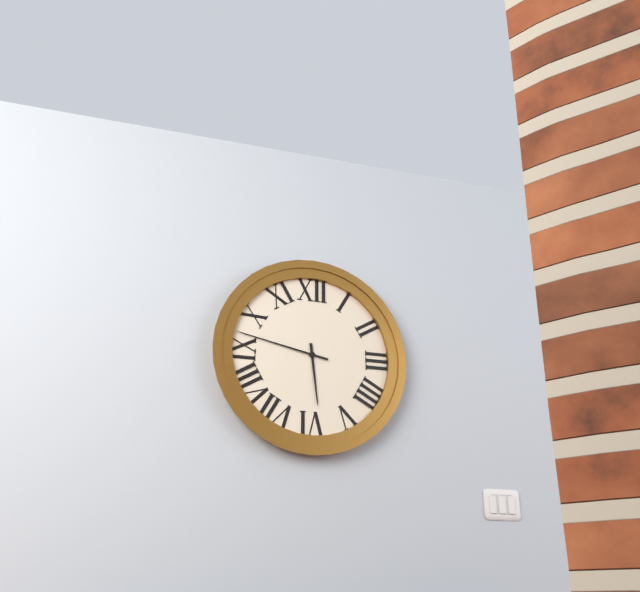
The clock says **5:47**
